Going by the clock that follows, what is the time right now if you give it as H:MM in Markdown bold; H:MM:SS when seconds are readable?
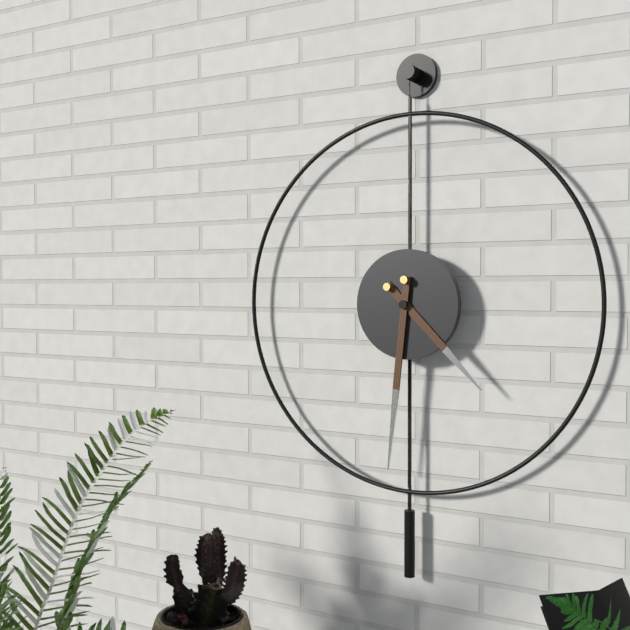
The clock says **4:31**
